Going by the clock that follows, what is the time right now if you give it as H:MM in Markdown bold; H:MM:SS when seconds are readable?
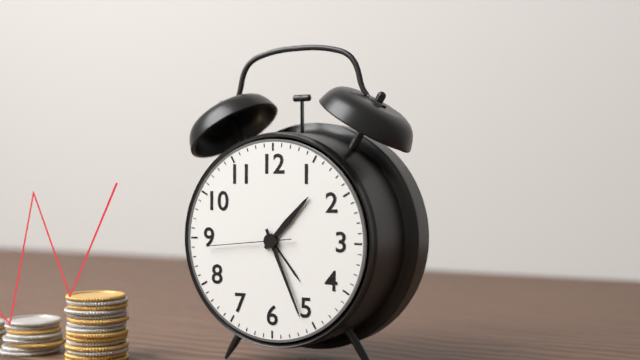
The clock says **1:26:44**
